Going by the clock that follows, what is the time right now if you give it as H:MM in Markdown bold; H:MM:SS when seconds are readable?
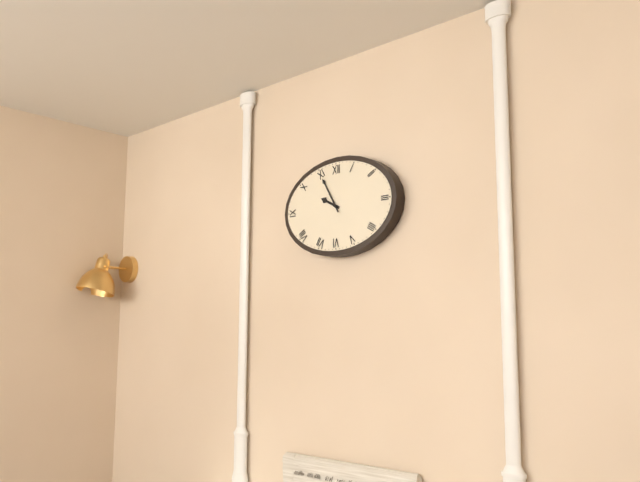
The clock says **9:55**
